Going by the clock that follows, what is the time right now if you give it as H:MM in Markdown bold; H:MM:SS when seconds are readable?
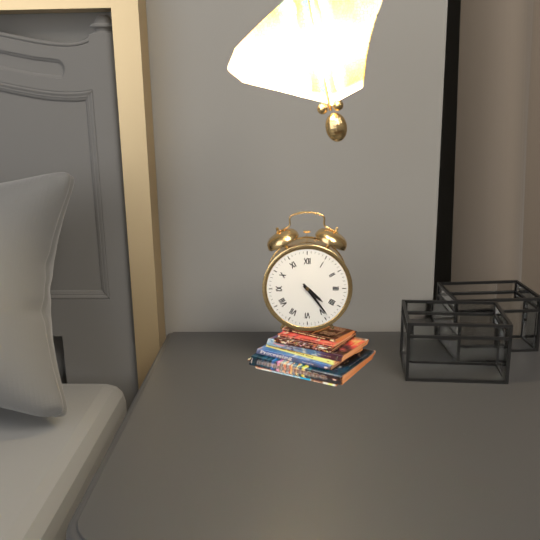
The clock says **4:24**
